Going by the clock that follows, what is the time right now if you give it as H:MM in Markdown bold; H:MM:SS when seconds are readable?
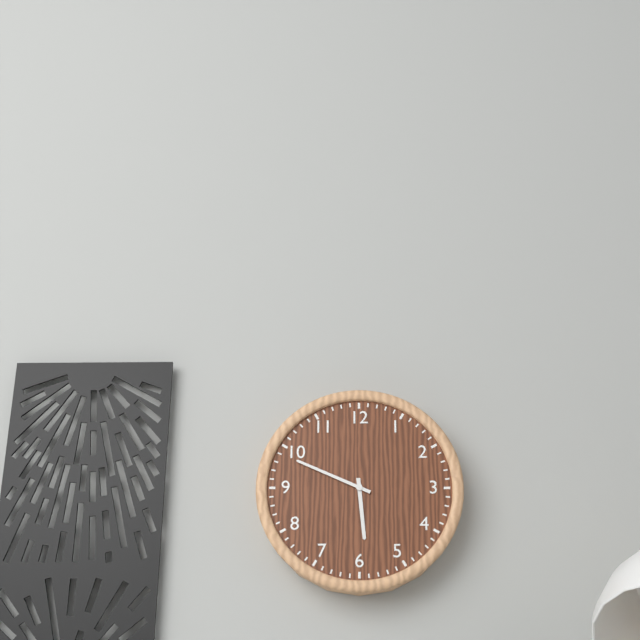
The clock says **5:49**
